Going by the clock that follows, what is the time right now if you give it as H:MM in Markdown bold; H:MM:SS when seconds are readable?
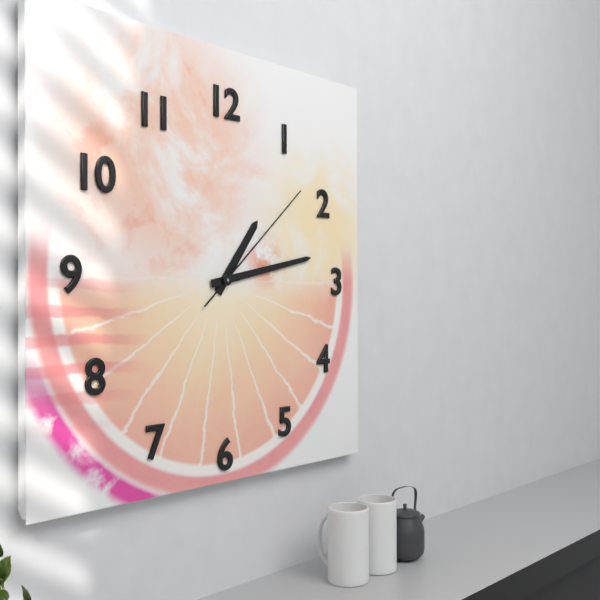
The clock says **1:13:08**
